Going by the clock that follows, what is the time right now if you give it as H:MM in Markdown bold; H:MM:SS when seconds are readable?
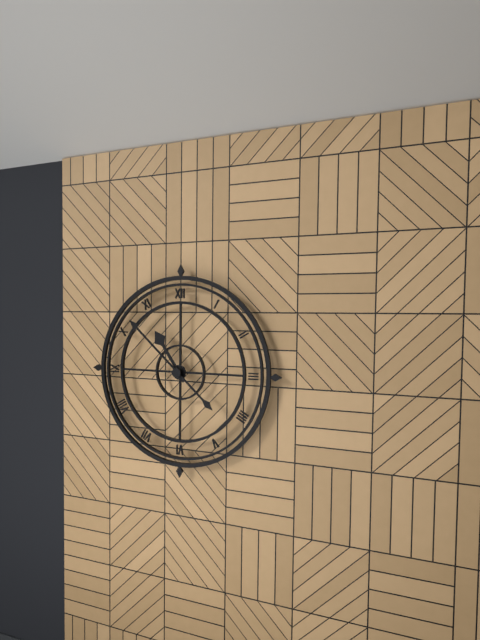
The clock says **10:52**
